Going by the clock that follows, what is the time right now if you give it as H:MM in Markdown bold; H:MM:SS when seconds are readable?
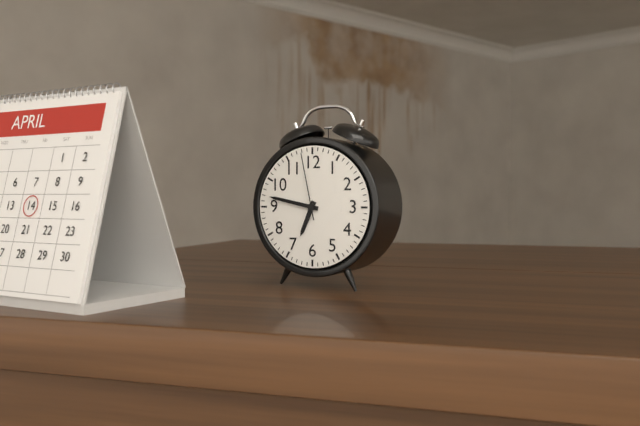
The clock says **6:47:58**
